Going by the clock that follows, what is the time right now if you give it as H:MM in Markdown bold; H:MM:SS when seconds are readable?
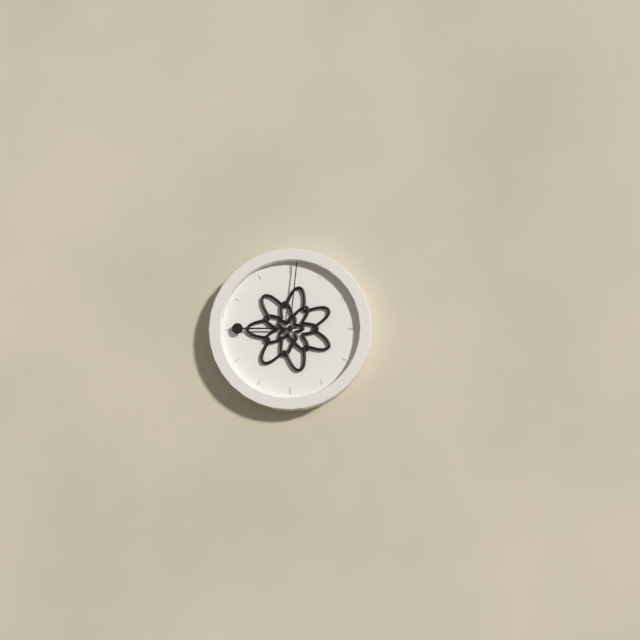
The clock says **9:01**
